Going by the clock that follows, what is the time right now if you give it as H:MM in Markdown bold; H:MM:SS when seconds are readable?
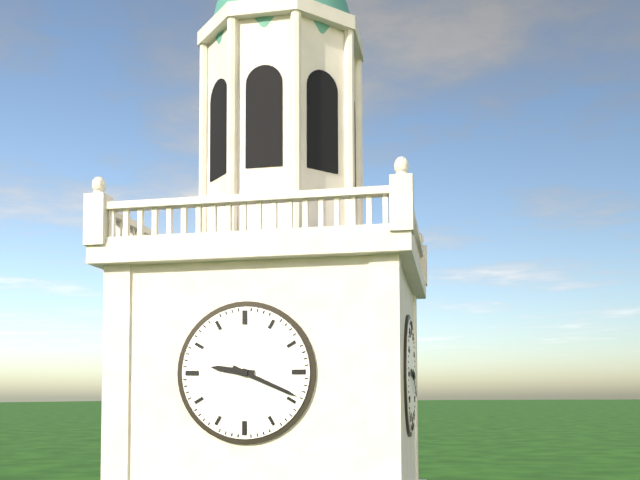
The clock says **9:19**
